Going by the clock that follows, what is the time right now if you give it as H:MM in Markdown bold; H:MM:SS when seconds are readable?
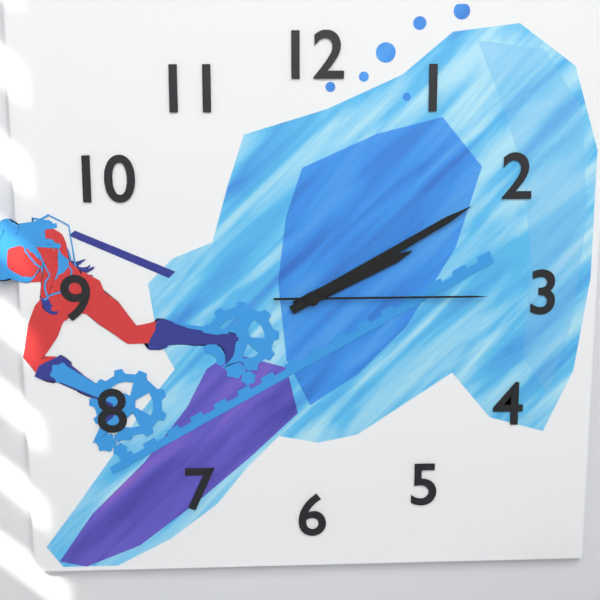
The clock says **2:10:15**
